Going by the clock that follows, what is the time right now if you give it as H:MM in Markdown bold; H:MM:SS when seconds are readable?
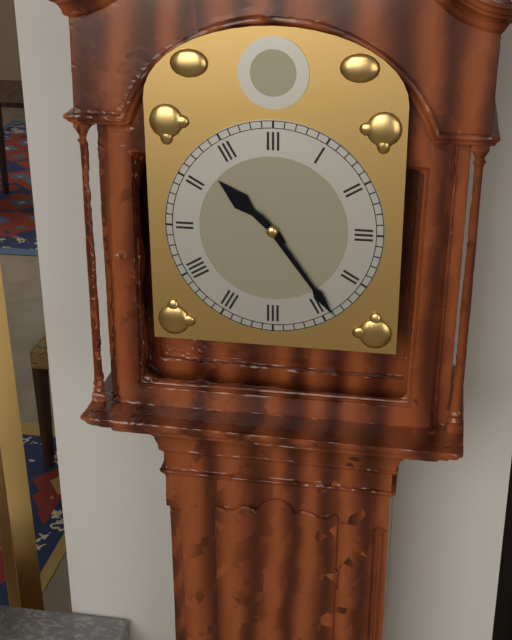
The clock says **10:24**
